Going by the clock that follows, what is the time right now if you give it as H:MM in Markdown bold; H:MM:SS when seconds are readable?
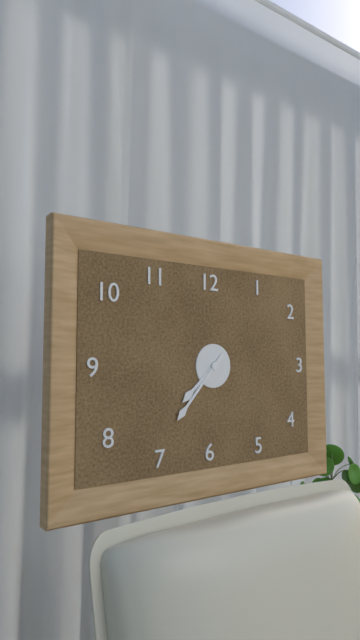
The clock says **7:37**
